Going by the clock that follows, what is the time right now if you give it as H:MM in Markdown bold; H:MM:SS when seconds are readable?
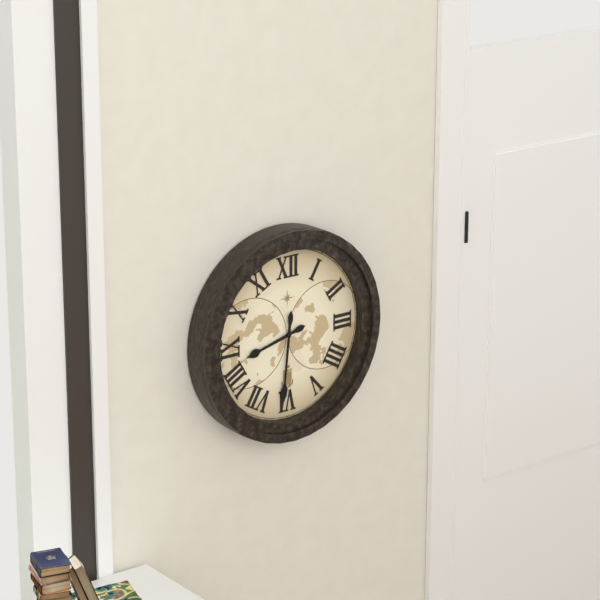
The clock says **8:31**
